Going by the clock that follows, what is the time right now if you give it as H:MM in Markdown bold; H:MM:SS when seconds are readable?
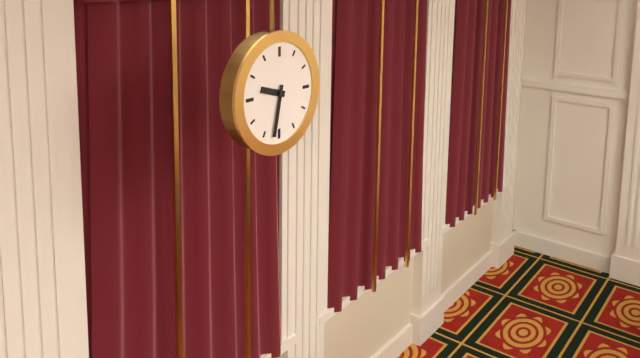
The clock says **9:32**
